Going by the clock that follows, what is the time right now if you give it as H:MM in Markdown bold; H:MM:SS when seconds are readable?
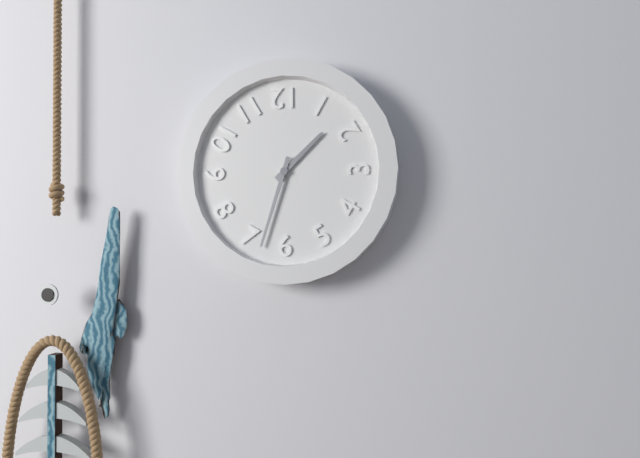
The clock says **1:33**
